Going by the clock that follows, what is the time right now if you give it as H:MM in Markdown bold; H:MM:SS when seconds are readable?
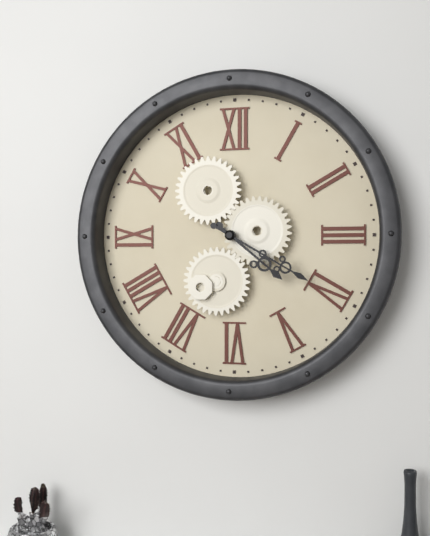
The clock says **4:20**
